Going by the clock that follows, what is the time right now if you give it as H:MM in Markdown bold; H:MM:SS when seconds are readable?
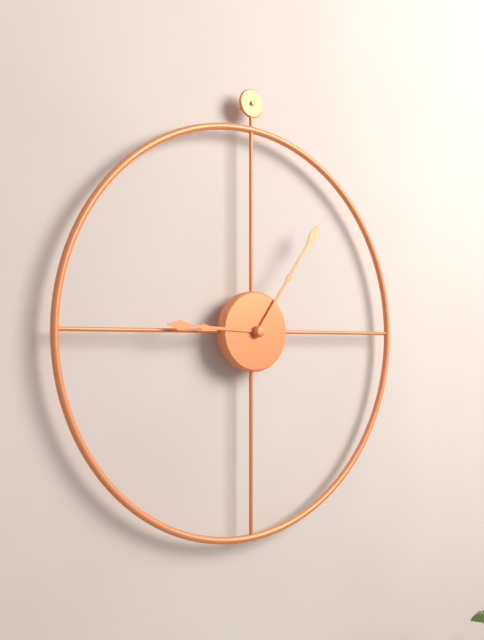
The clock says **9:06**
